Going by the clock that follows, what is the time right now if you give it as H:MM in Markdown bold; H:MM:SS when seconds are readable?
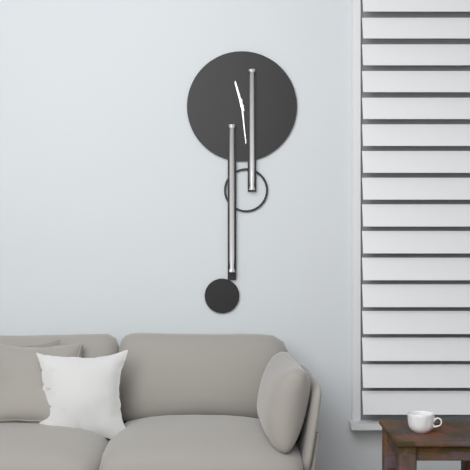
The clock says **11:29**
